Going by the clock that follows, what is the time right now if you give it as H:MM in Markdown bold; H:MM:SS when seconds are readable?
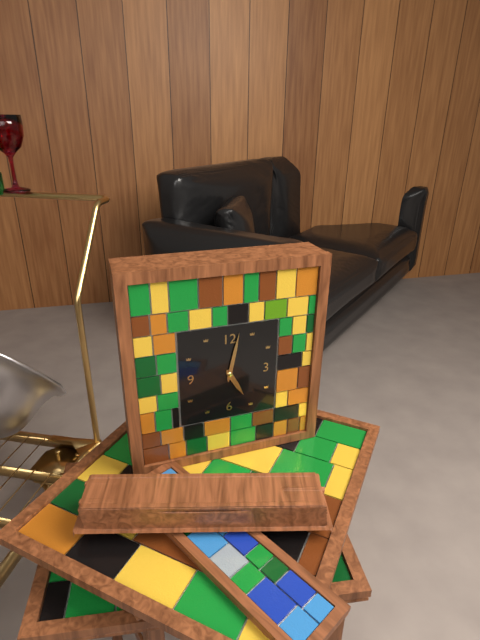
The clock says **5:02**
